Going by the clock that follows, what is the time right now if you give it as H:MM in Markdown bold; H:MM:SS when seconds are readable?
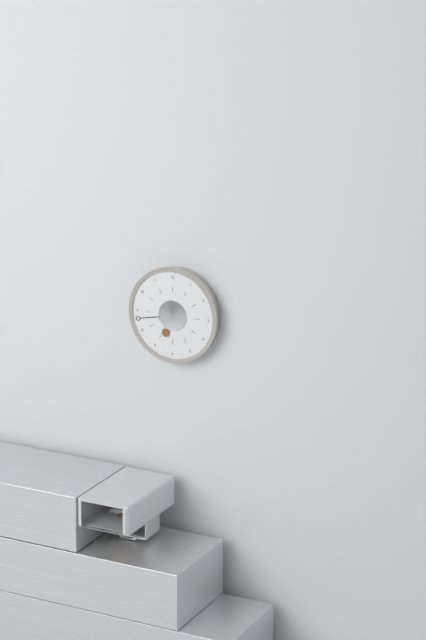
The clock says **6:43**
